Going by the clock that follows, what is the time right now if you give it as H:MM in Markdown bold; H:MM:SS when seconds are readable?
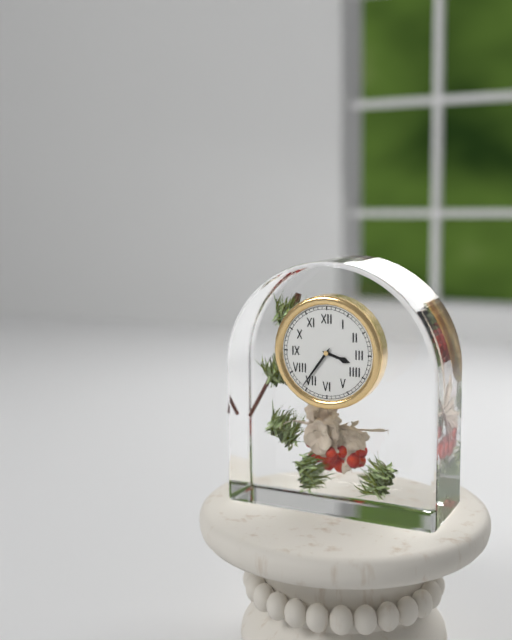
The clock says **3:36**
